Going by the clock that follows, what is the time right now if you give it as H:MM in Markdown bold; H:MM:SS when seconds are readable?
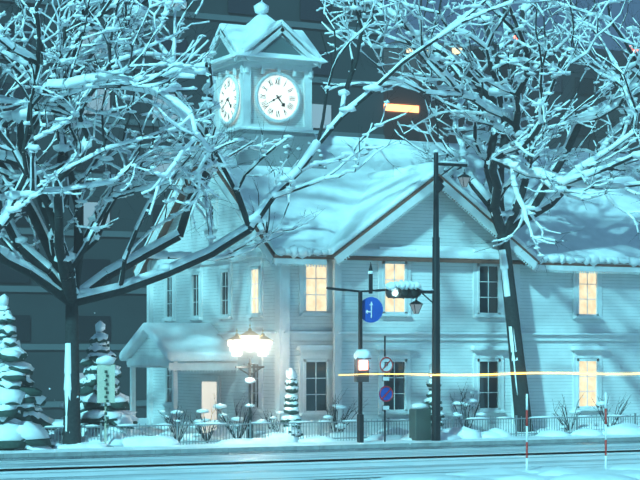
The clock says **4:40**
